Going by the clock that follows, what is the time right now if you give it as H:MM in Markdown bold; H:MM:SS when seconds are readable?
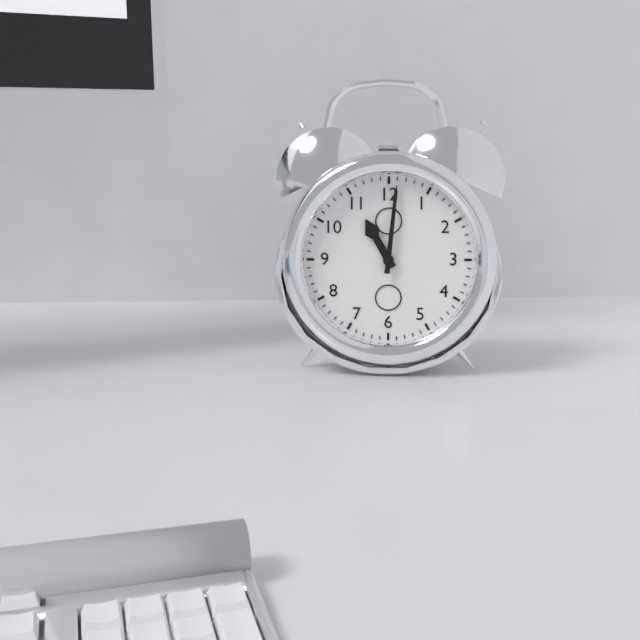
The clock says **11:01**
